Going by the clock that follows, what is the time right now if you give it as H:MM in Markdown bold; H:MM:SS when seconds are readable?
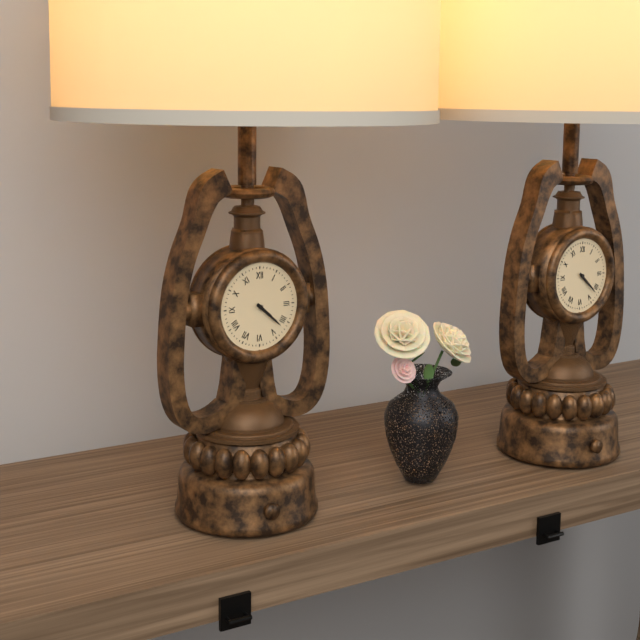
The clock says **4:22**
